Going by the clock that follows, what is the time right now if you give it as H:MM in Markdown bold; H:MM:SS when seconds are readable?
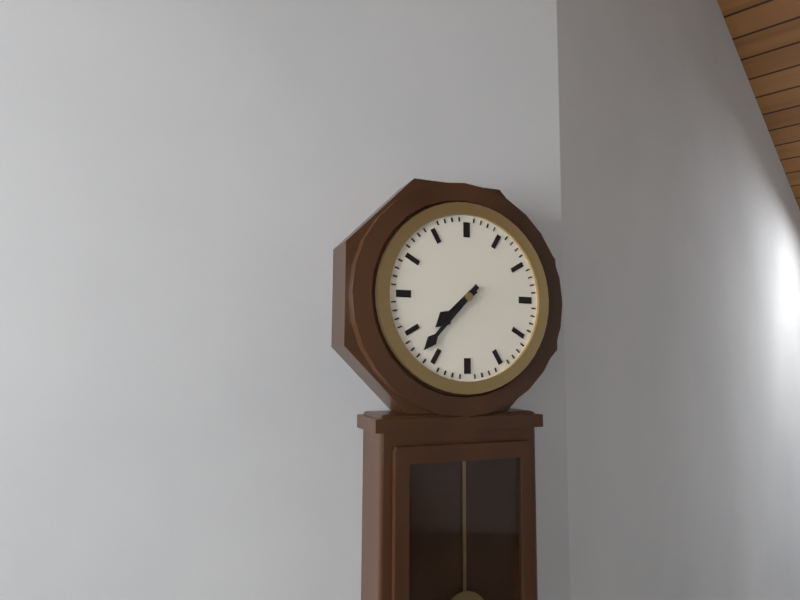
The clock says **7:37**
